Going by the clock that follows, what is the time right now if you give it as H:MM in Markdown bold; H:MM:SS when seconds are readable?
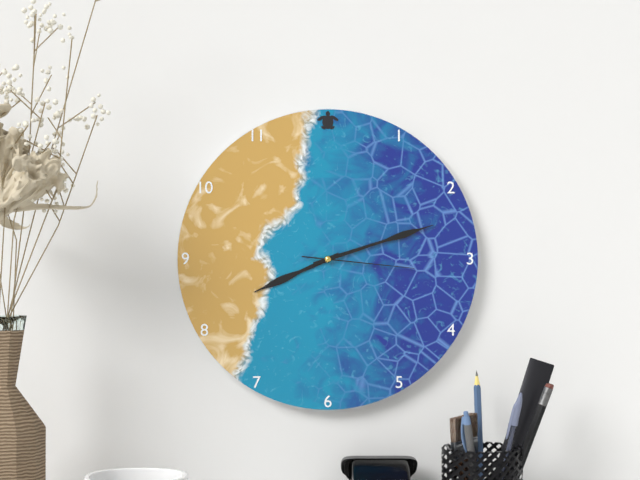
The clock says **8:12:16**
